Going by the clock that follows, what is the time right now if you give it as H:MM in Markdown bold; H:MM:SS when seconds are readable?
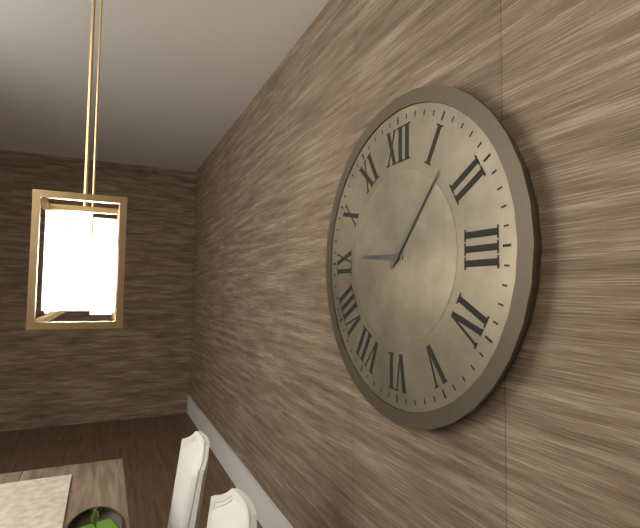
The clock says **9:07**
